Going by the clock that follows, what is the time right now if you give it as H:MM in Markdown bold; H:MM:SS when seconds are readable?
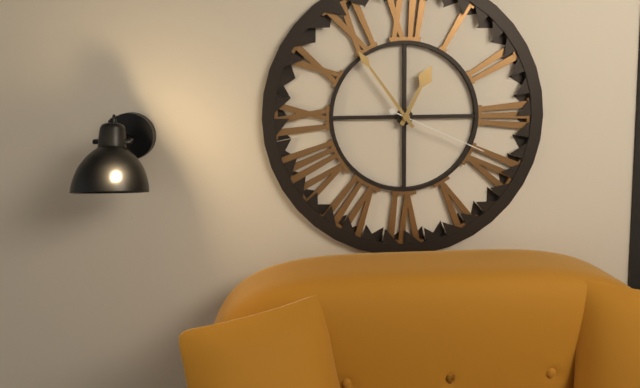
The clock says **12:54:19**
